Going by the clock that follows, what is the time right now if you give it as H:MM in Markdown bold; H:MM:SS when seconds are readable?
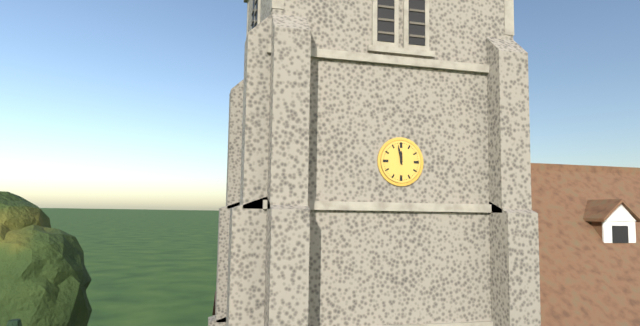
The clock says **11:58**
